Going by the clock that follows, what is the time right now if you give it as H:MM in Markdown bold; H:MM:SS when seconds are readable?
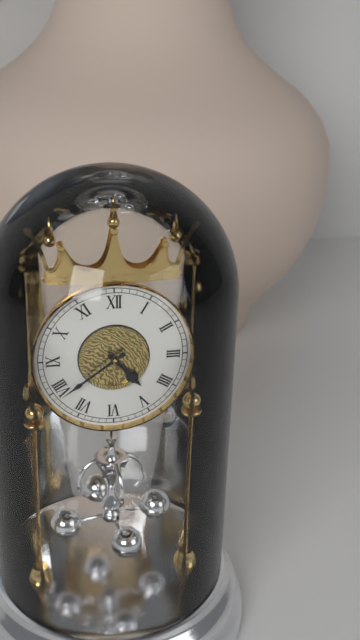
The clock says **4:39**
